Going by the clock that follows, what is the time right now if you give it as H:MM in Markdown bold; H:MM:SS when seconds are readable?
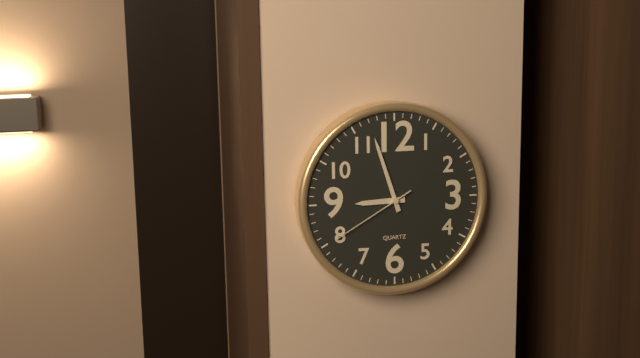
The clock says **8:57:40**
